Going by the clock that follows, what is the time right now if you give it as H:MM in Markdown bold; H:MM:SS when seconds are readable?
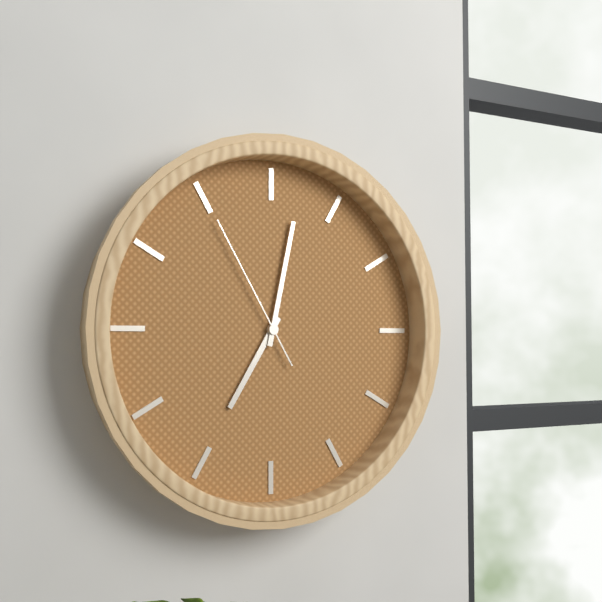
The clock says **7:02:55**
